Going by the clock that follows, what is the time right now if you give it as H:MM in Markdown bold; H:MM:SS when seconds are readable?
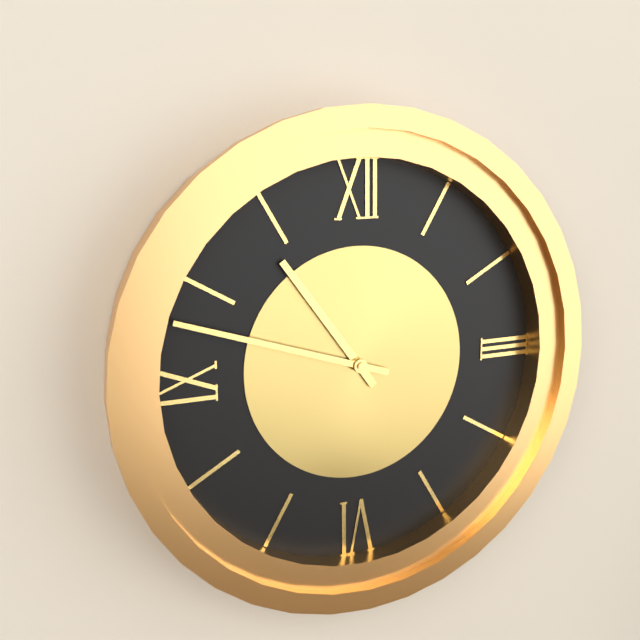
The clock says **10:48**
